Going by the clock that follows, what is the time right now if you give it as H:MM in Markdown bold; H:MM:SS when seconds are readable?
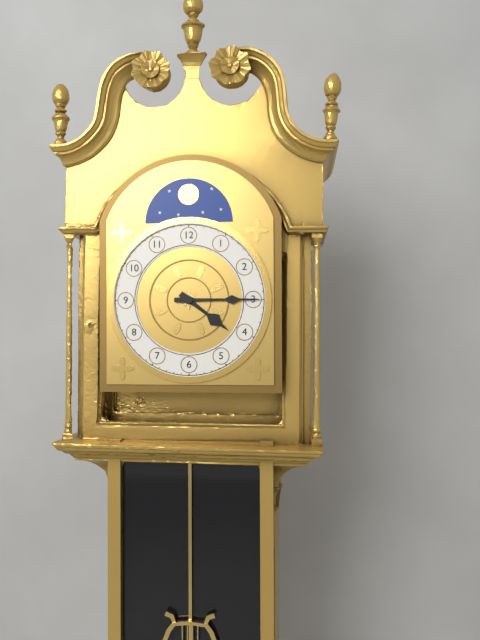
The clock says **4:15**
